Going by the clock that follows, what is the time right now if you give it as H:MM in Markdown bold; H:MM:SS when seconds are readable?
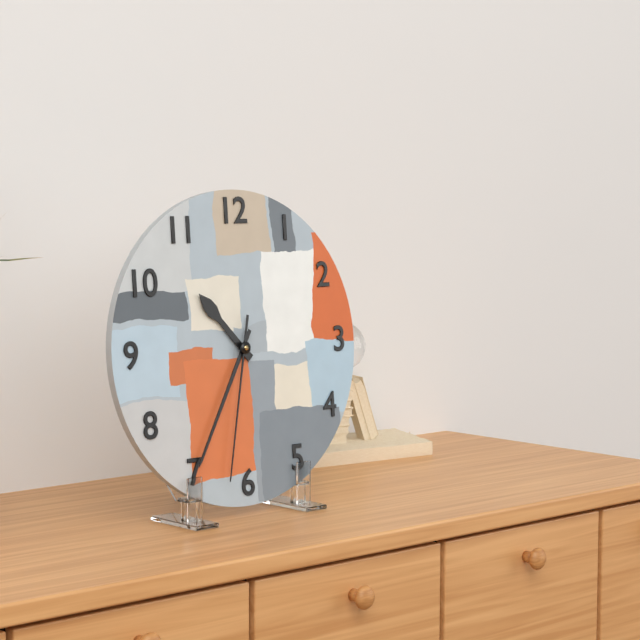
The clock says **10:35:32**
